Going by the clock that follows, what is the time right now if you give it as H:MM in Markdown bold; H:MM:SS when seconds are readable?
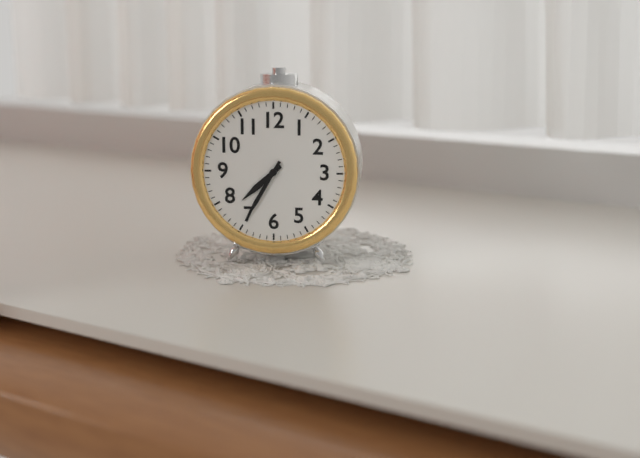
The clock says **7:35**
